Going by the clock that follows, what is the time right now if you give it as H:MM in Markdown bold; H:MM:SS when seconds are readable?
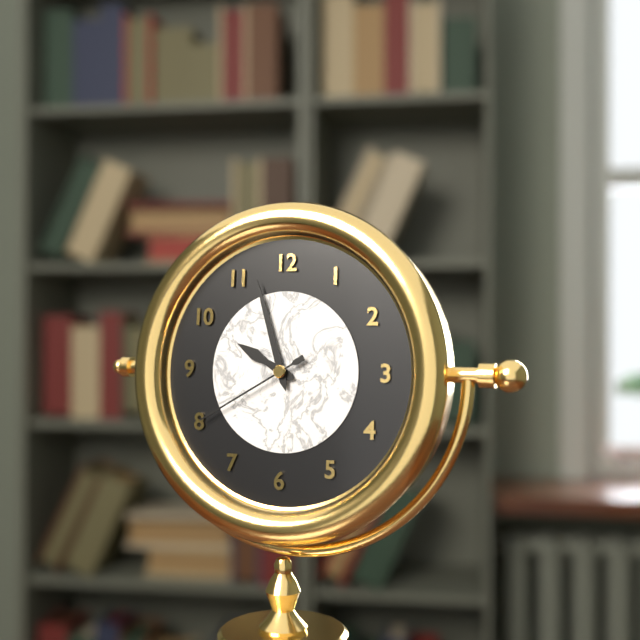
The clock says **9:57:40**
